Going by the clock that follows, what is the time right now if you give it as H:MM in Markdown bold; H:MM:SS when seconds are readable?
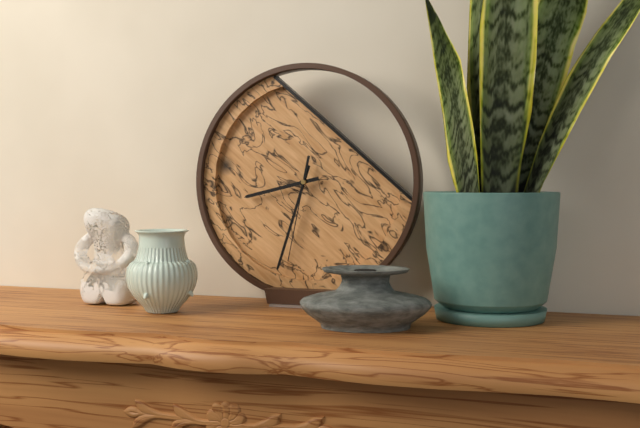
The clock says **8:33:32**
